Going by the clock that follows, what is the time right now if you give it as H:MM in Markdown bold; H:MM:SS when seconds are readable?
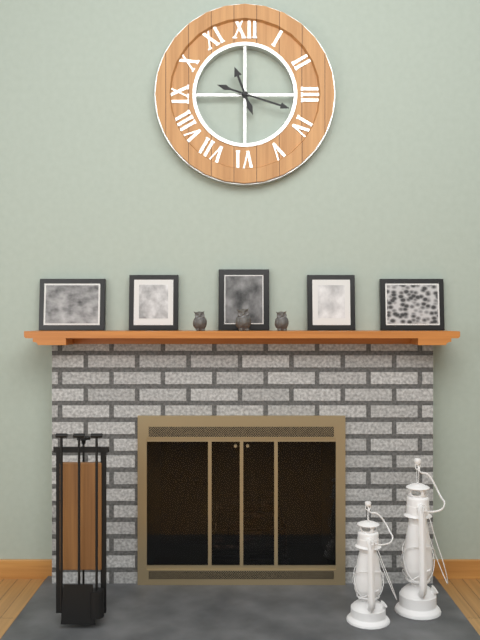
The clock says **11:18**
